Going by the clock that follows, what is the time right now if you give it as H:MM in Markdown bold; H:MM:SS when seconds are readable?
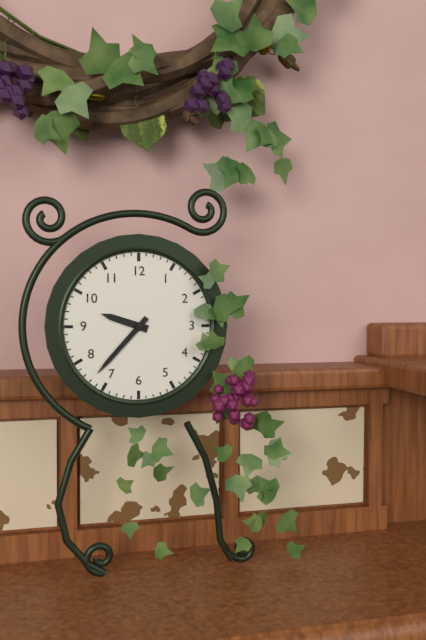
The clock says **9:37**
